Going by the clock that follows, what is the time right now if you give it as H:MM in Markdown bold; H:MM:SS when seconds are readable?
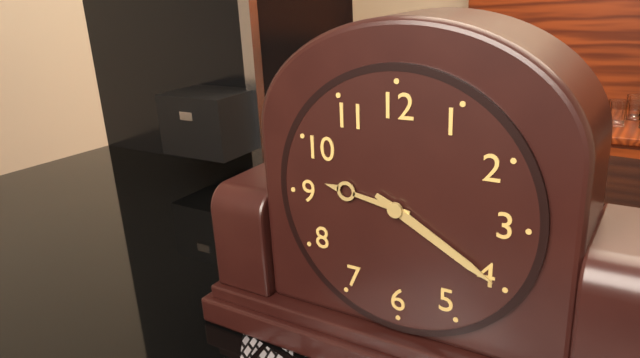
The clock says **9:20**
